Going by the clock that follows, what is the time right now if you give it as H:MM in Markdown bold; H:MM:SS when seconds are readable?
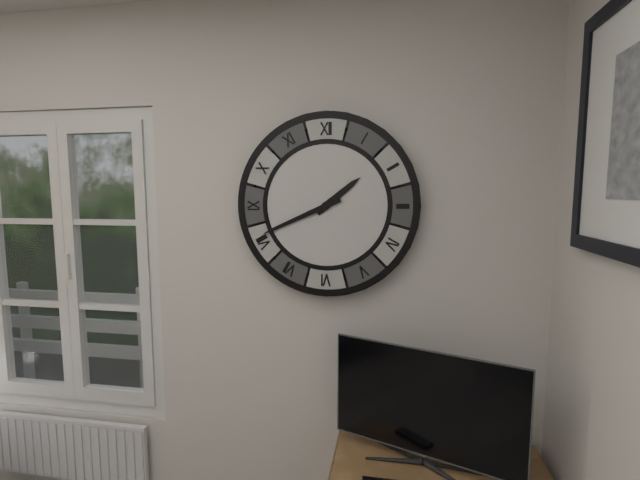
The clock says **1:41**
